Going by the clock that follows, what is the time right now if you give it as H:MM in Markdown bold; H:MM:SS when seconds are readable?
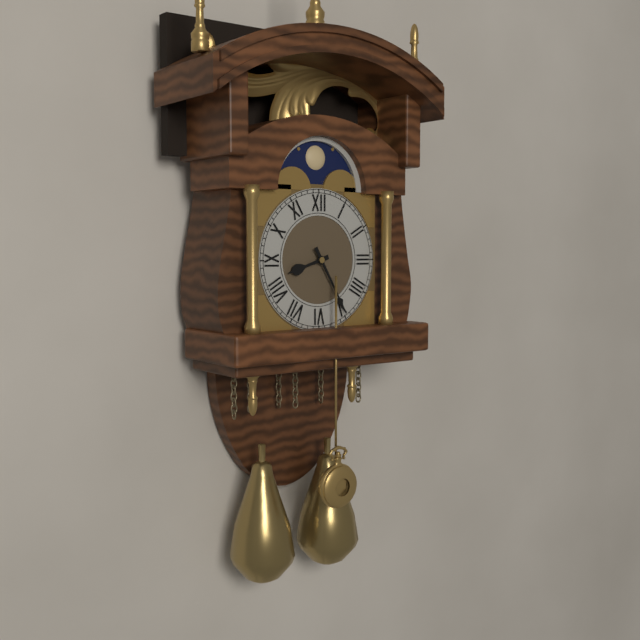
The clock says **8:25**
